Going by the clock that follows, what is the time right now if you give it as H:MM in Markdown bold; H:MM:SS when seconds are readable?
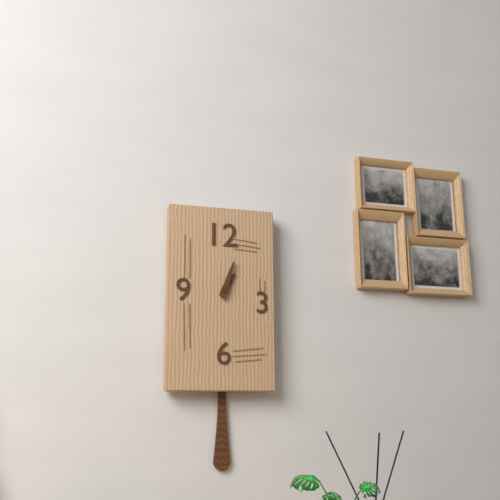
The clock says **1:03**
